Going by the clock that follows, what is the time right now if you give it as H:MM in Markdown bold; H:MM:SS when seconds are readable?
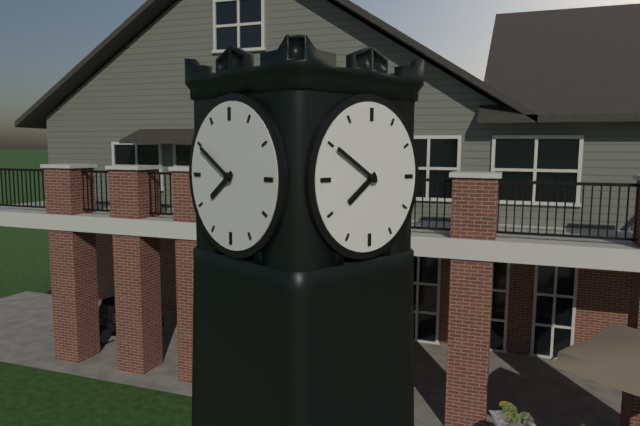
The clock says **7:50**
